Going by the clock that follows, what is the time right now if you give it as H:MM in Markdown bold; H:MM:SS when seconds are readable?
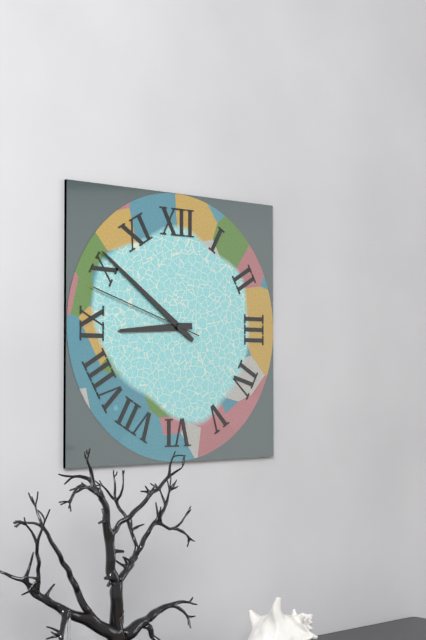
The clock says **8:51:48**
